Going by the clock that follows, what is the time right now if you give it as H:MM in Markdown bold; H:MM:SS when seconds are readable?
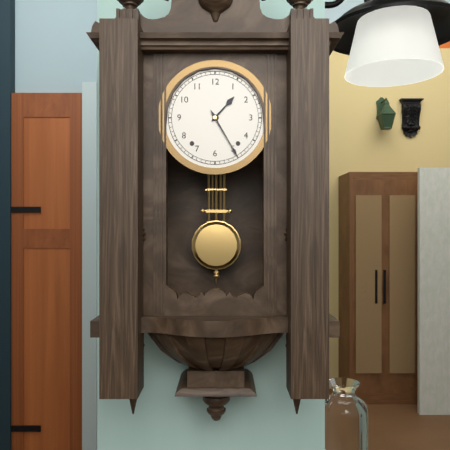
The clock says **1:25**
